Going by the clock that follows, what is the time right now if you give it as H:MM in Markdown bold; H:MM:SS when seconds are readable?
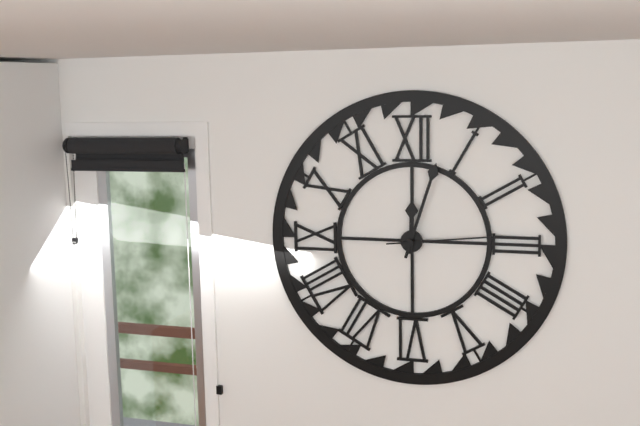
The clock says **12:03:14**
